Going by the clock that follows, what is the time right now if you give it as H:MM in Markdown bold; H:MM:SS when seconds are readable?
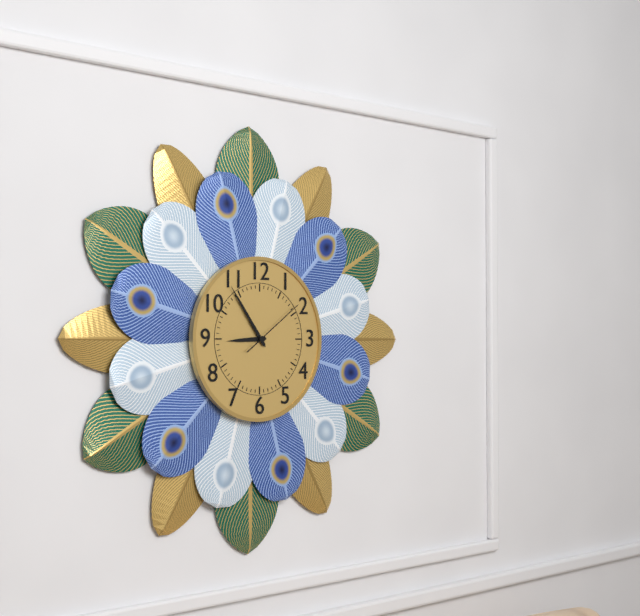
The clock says **8:54:09**
